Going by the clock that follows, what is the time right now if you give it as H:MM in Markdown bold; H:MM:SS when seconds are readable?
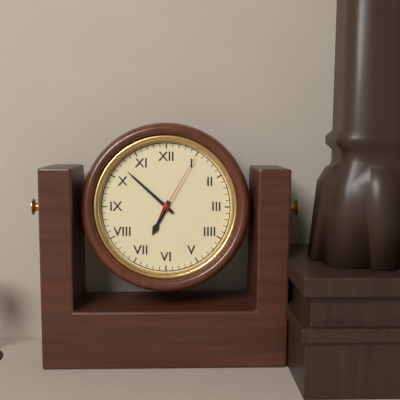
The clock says **6:52:05**
